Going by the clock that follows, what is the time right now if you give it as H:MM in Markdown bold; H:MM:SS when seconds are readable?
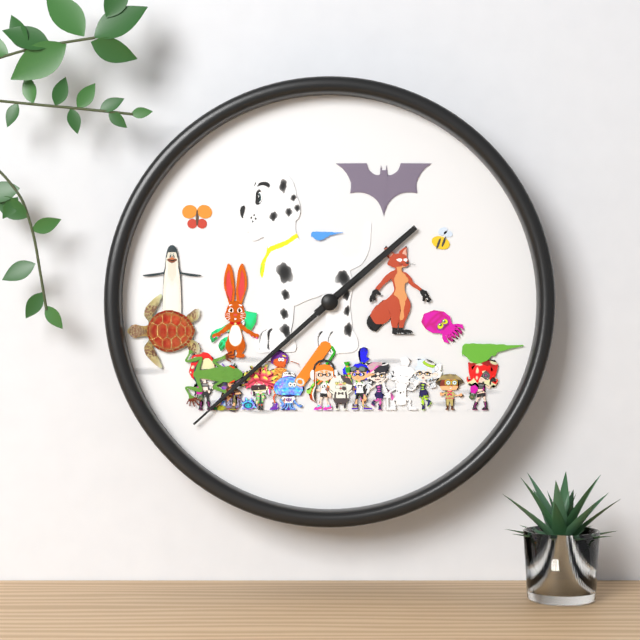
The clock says **1:38:38**
